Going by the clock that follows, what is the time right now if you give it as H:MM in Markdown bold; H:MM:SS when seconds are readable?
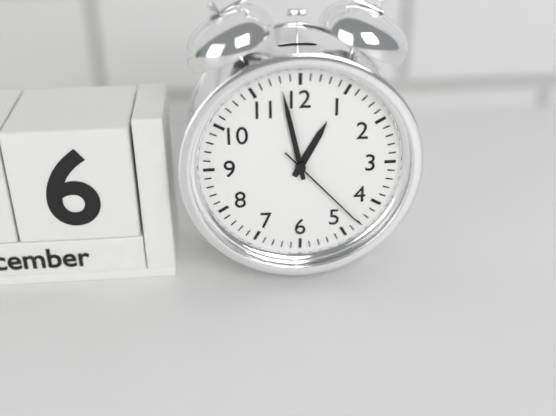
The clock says **12:58:23**
